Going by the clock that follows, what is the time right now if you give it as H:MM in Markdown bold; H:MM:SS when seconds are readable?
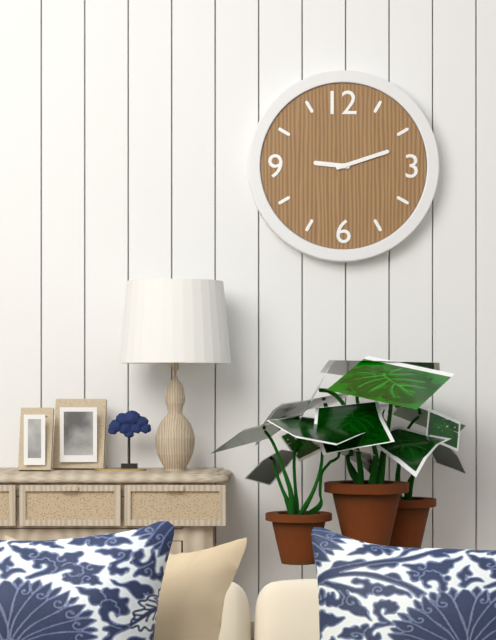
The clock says **9:12**
